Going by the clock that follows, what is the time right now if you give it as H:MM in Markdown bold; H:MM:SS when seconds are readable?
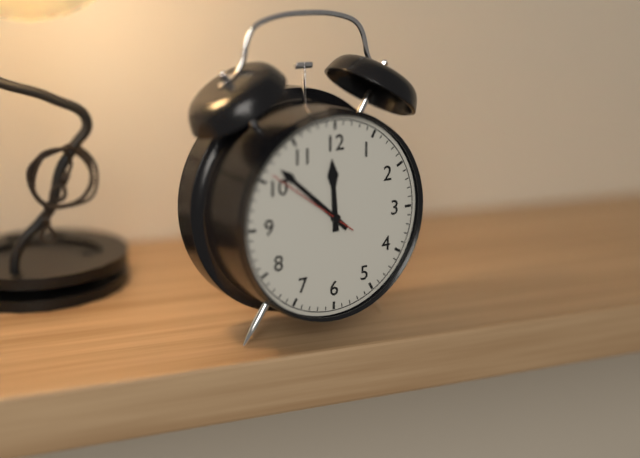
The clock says **11:52:51**
